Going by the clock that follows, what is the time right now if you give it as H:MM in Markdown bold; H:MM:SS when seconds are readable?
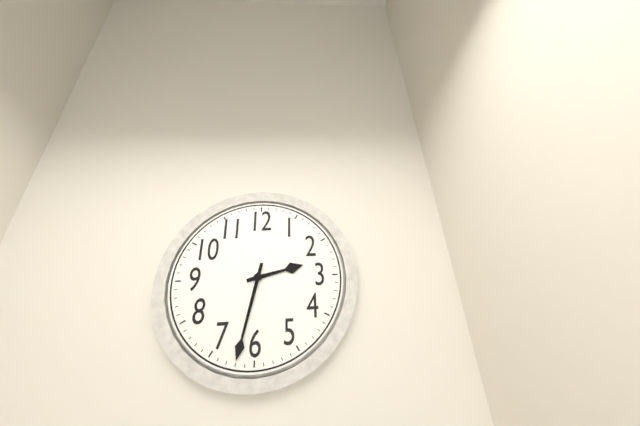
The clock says **2:32**
